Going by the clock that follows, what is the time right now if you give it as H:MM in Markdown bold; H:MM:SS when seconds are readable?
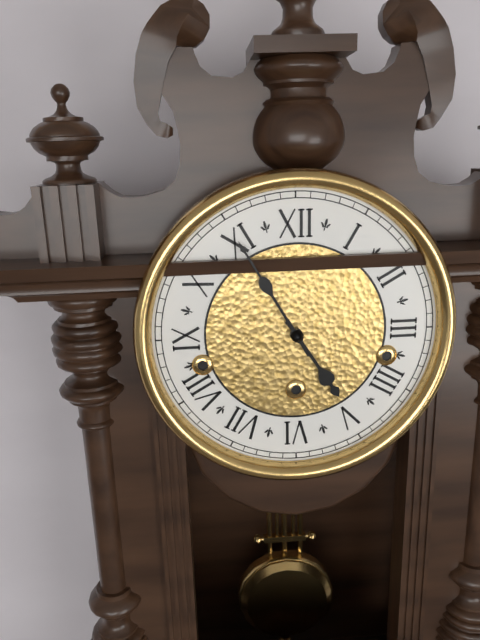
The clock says **4:55**
